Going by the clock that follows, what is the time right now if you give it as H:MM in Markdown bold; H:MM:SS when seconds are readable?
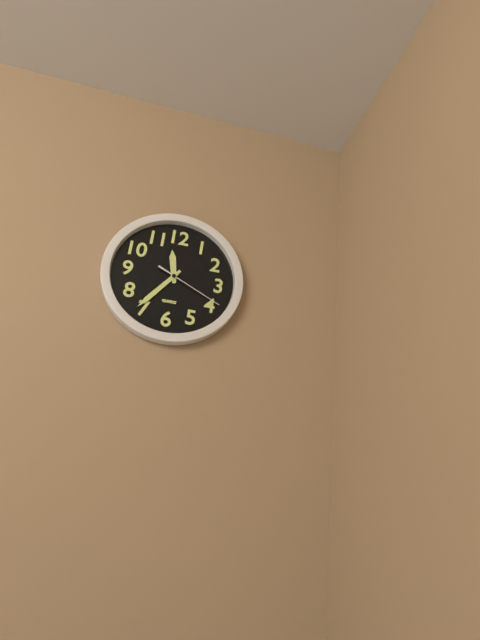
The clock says **11:36:19**
